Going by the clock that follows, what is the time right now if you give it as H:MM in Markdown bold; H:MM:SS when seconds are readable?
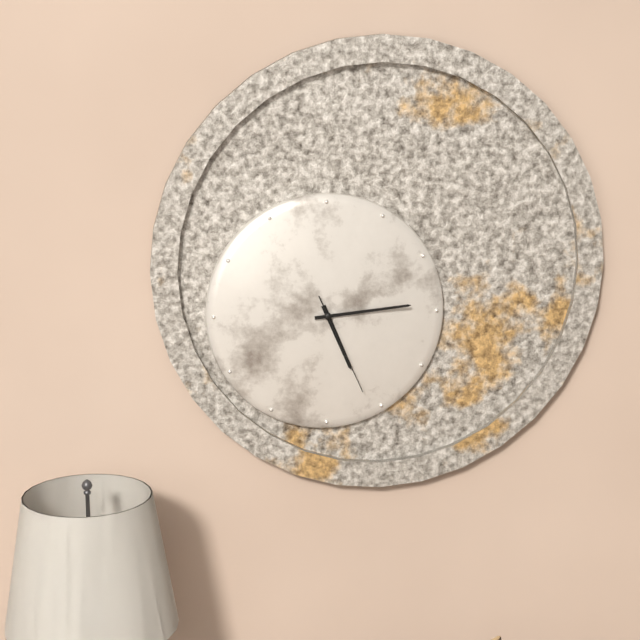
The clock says **5:14:26**
